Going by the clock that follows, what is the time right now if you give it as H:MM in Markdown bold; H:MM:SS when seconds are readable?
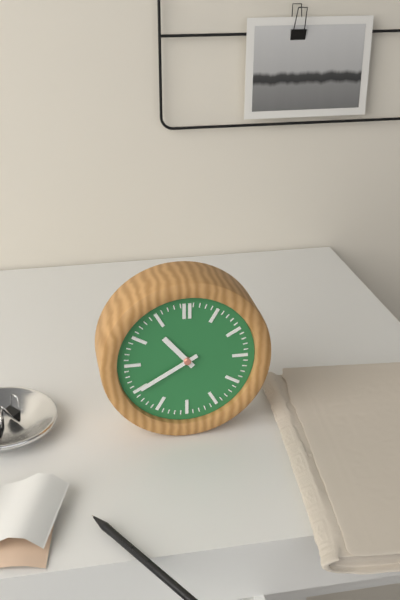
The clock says **10:40**
